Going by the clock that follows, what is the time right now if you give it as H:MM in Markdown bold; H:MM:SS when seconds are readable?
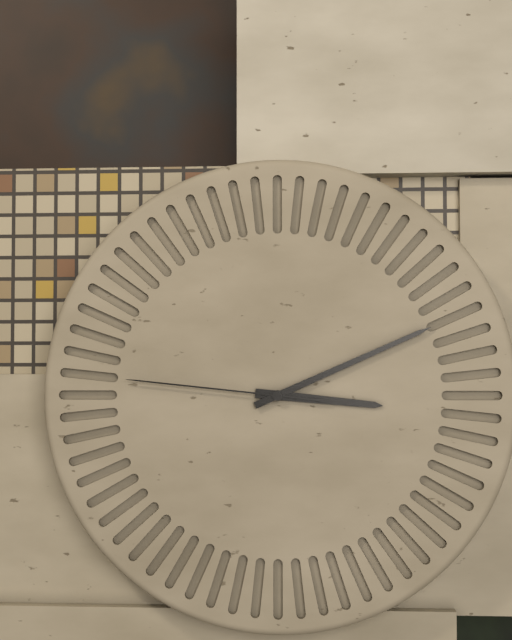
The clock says **3:11:46**
